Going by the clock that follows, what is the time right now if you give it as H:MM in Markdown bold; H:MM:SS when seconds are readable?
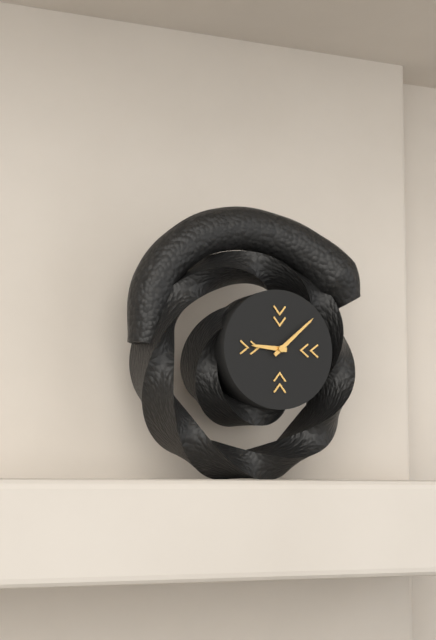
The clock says **9:08**
